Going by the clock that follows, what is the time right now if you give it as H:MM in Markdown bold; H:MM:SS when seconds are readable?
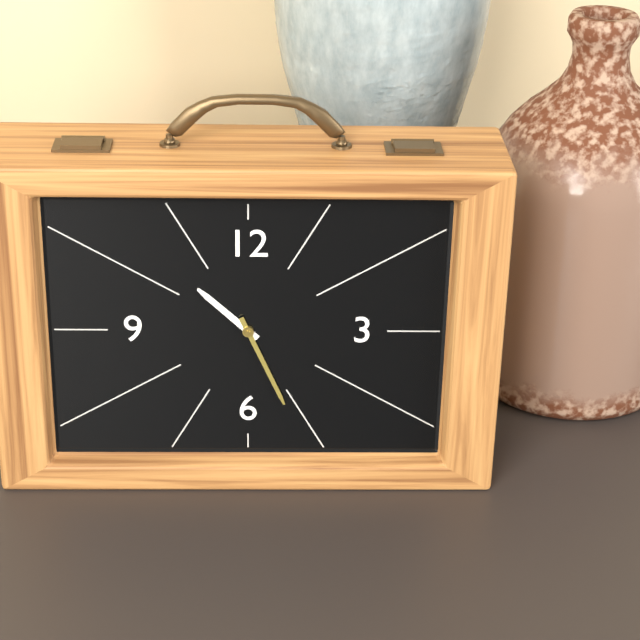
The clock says **10:26**
